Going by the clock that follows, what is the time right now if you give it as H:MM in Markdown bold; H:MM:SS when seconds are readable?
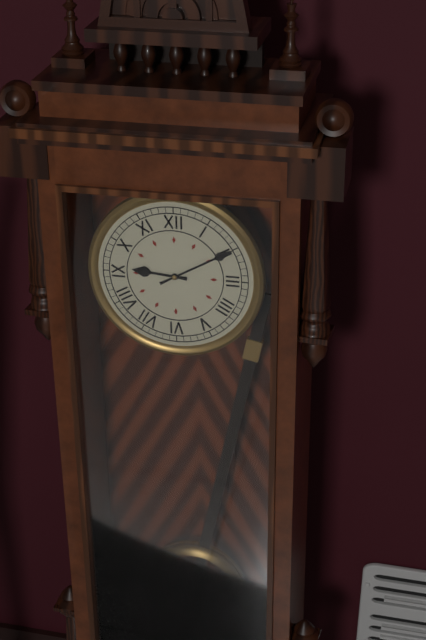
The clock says **9:10**
